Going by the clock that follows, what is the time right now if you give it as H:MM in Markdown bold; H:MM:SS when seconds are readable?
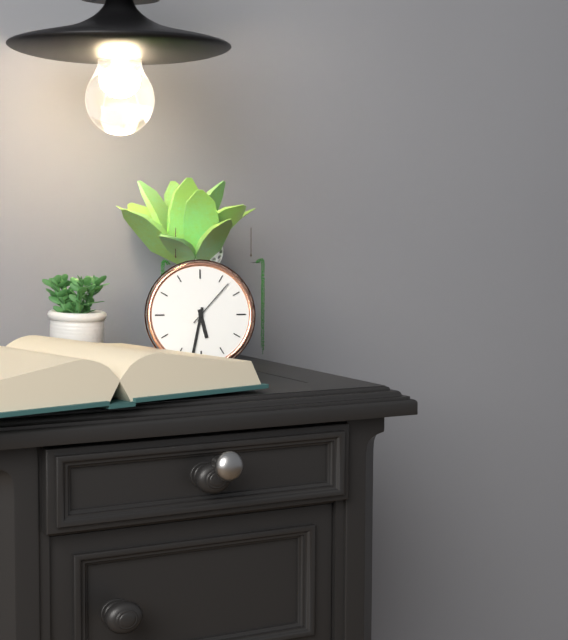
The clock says **5:32:07**
